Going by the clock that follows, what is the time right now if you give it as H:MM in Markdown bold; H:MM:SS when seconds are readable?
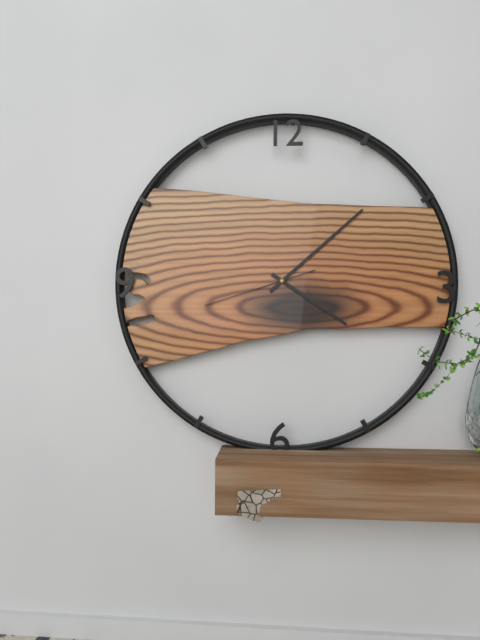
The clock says **4:08:42**
